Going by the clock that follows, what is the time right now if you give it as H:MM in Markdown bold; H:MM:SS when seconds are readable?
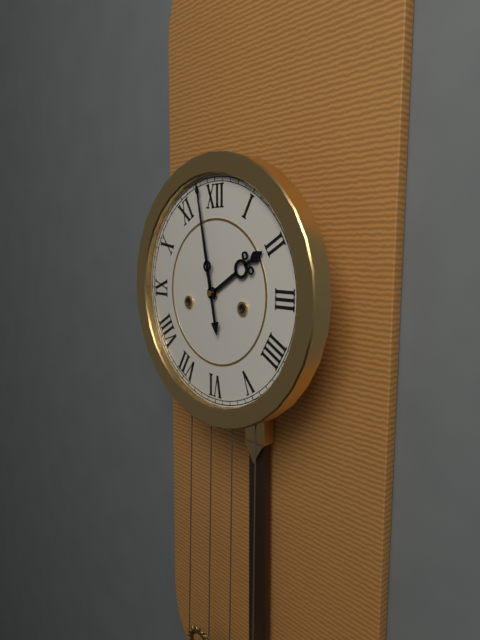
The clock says **1:58**
